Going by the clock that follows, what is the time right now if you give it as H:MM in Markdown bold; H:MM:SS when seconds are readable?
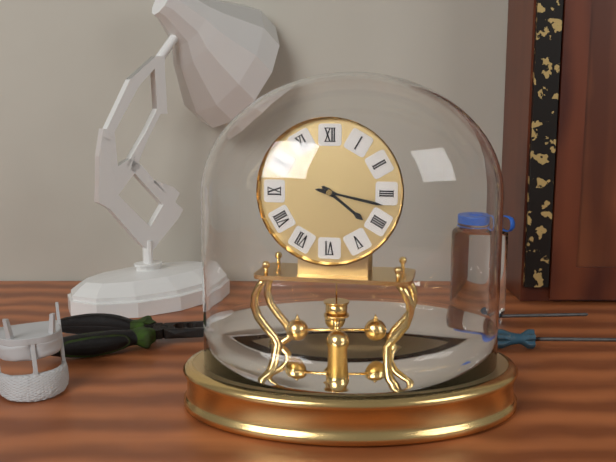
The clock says **4:17**
